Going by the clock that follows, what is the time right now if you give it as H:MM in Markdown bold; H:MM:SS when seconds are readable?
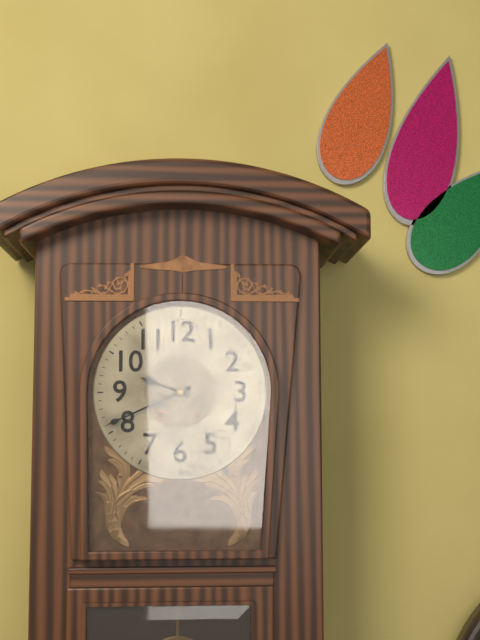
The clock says **9:41**
